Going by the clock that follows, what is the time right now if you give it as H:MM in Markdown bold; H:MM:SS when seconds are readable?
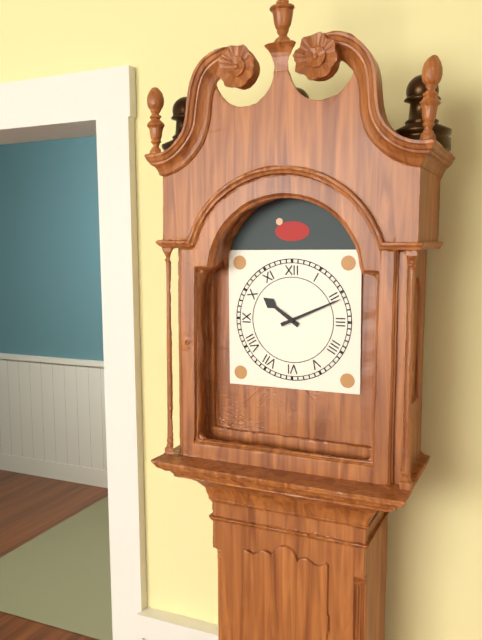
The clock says **10:11**
